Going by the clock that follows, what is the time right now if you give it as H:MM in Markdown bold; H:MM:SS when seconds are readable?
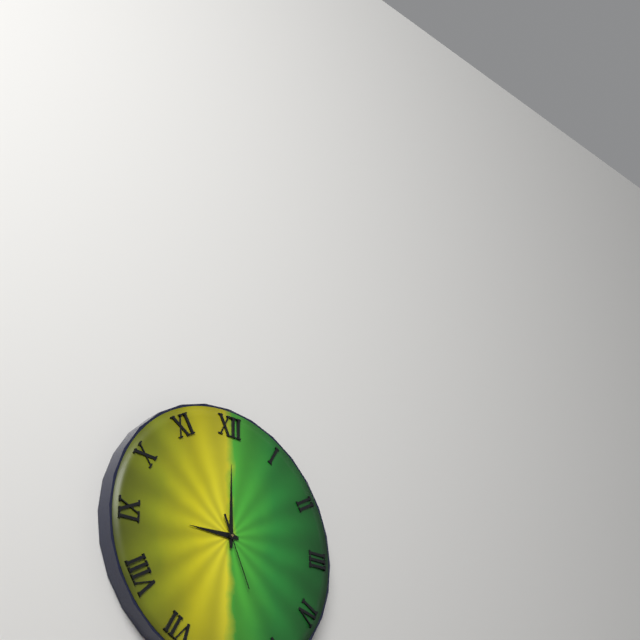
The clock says **9:00:26**
